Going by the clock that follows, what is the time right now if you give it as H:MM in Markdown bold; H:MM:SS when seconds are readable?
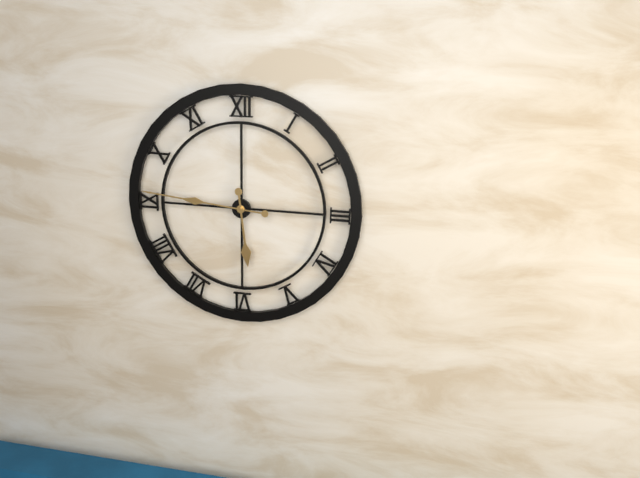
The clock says **5:46**
